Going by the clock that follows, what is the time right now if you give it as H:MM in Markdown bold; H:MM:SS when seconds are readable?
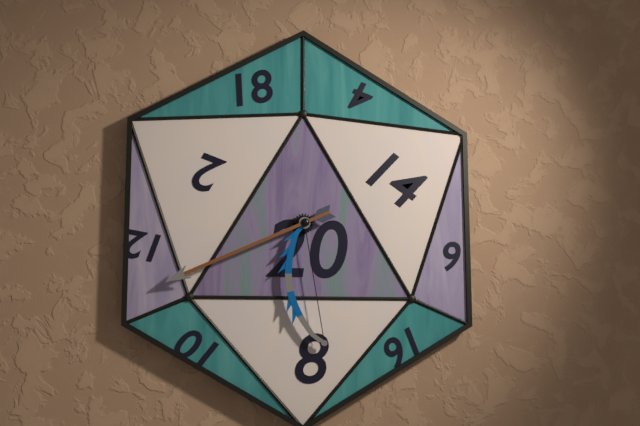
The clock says **5:41**
